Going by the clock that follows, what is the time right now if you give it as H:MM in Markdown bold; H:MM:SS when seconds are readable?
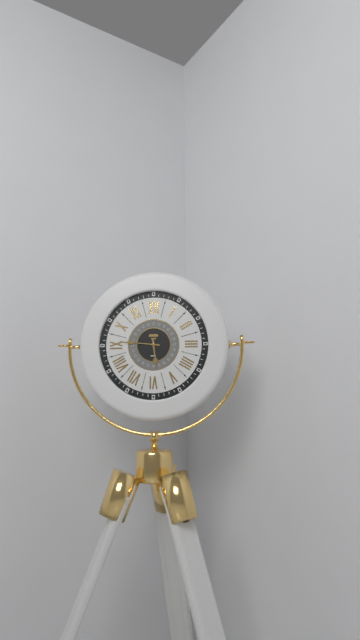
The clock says **5:46**
